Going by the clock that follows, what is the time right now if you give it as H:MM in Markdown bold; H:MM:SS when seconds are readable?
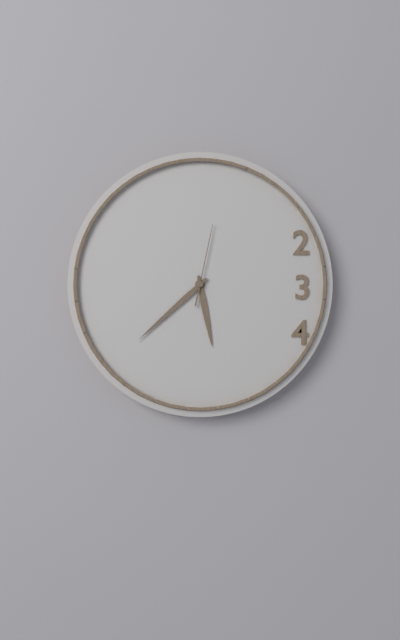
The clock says **5:38:02**
